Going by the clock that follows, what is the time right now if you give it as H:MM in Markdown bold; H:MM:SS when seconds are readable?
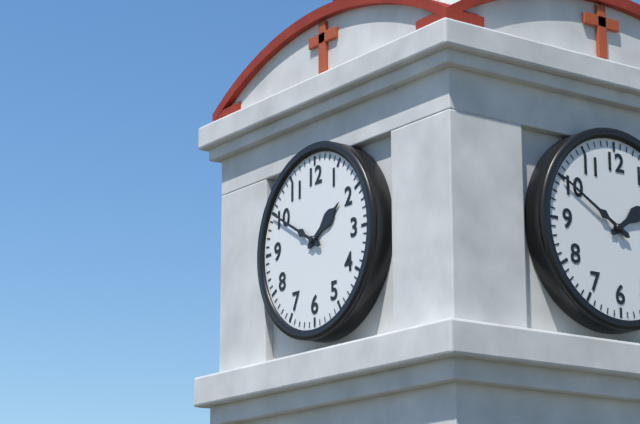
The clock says **1:50**
